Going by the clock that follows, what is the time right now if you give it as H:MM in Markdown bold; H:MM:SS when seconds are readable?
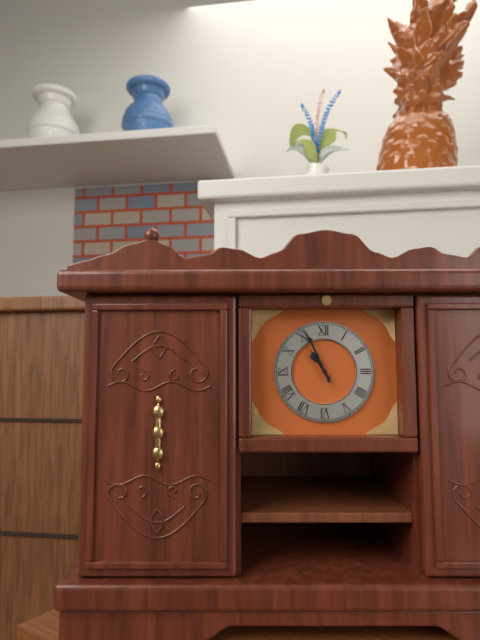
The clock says **10:56**
